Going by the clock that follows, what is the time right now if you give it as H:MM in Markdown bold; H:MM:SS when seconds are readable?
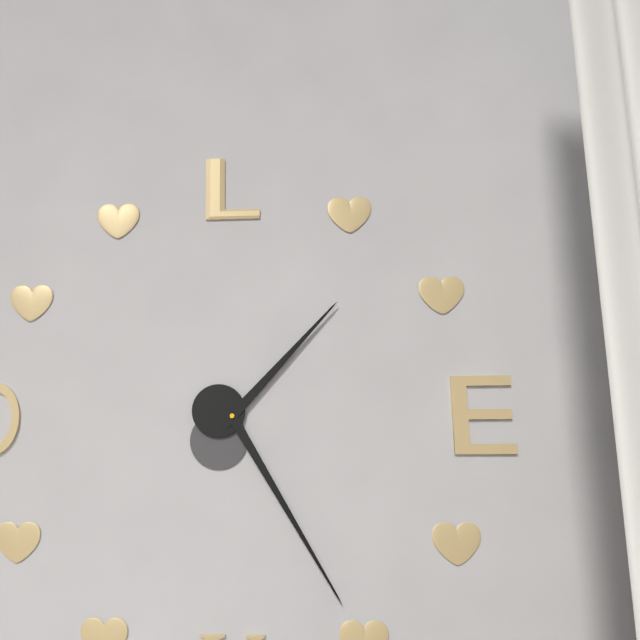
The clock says **1:25**
